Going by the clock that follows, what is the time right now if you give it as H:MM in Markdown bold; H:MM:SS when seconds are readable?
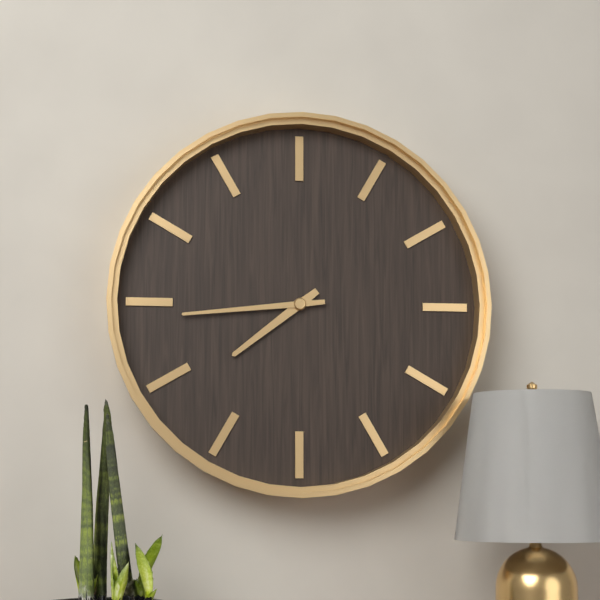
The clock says **7:44**
